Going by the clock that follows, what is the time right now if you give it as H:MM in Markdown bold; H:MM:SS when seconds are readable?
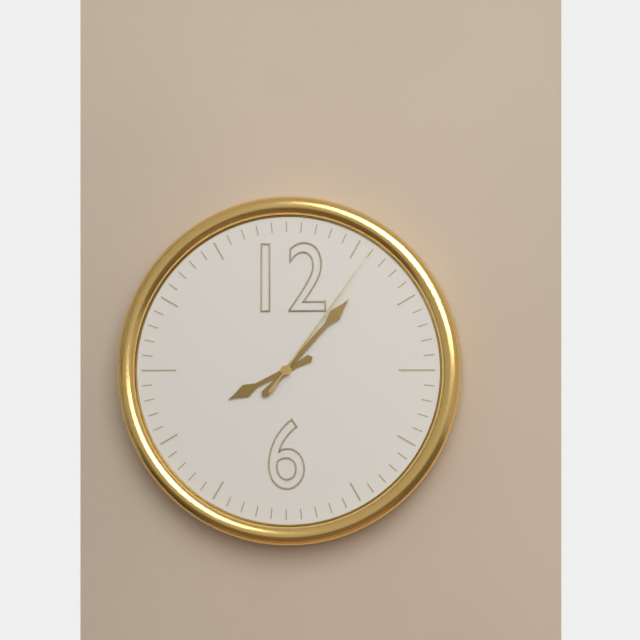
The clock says **8:07:06**
